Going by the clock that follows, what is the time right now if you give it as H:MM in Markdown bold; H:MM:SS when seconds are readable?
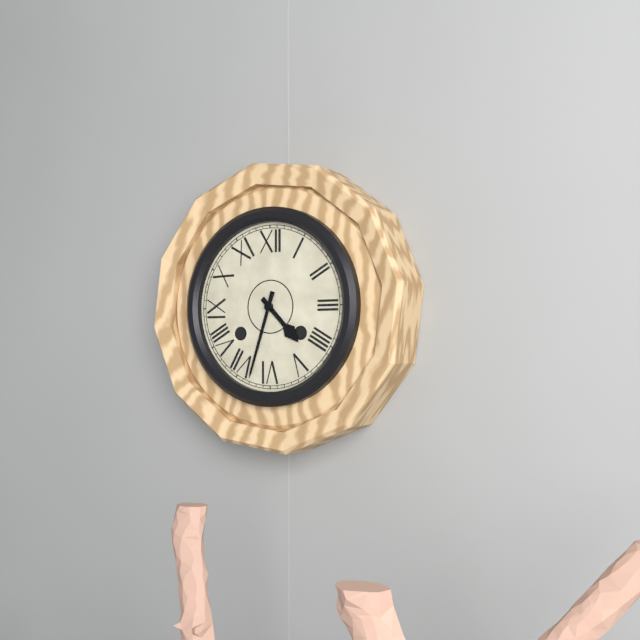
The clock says **4:33**
